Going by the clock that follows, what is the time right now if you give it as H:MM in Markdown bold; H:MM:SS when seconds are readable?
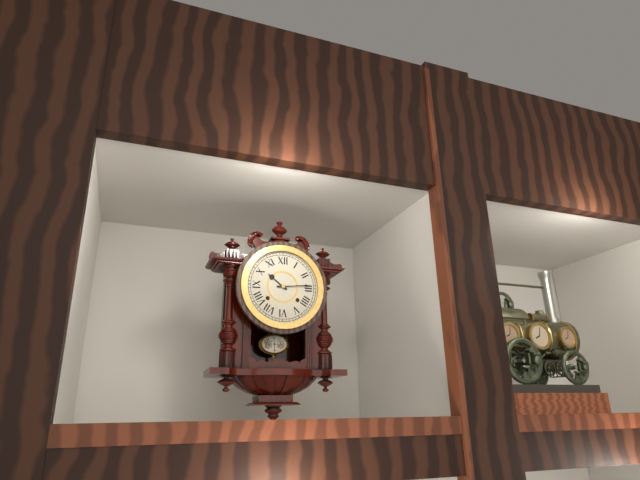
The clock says **10:14**
